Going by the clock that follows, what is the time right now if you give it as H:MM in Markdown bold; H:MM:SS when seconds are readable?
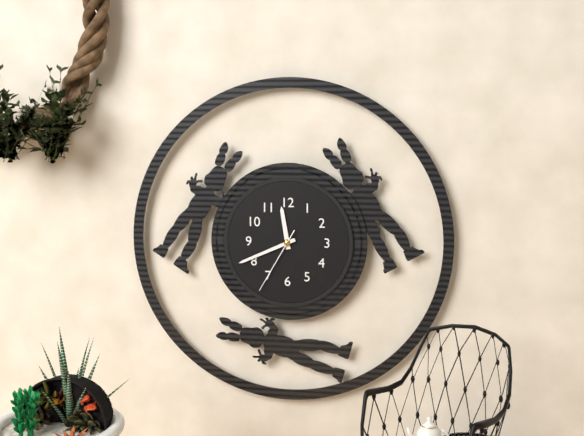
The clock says **11:41:35**
